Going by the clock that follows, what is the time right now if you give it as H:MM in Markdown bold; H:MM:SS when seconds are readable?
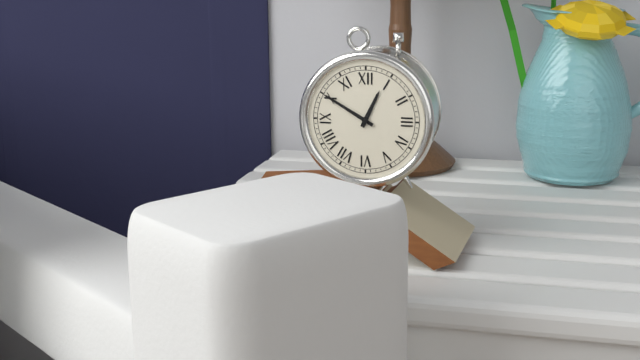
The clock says **12:50**
